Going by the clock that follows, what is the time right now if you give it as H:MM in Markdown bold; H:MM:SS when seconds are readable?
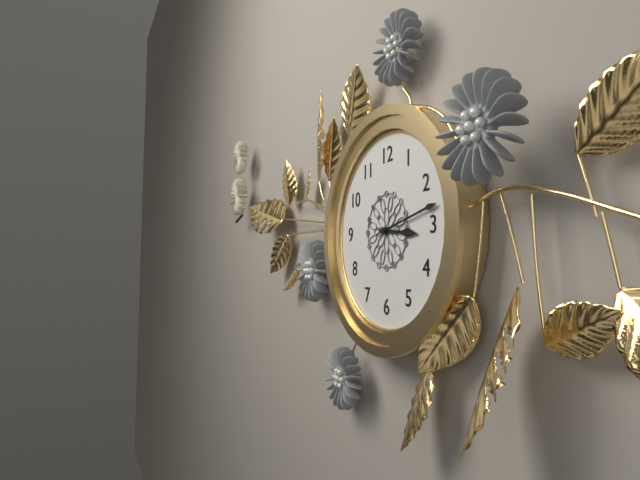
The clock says **3:13**
